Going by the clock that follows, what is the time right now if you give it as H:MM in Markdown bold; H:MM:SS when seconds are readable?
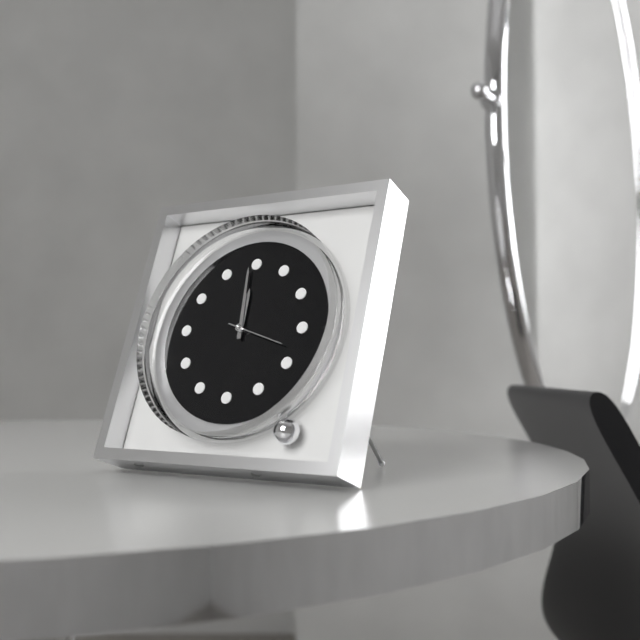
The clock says **11:59:18**
